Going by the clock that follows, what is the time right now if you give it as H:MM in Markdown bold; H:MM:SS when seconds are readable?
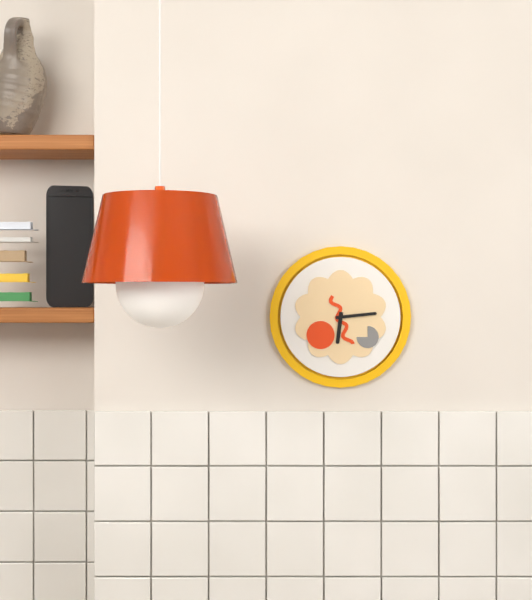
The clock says **6:14**
